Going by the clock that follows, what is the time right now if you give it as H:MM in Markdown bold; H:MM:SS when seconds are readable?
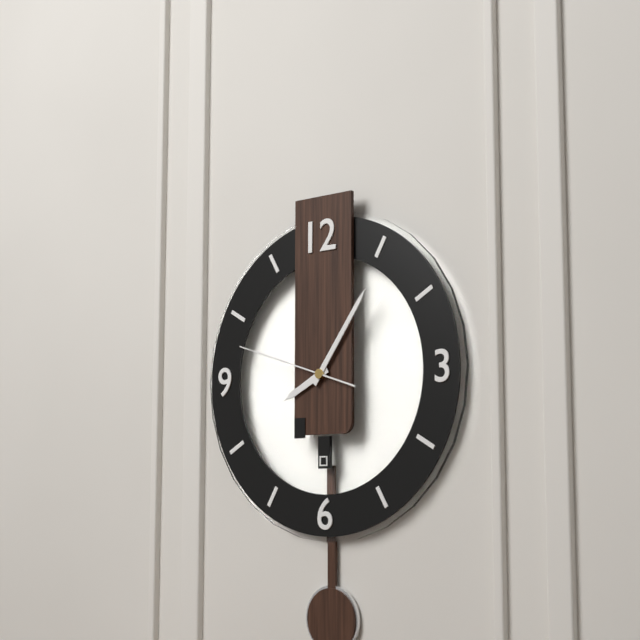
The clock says **8:06:48**
